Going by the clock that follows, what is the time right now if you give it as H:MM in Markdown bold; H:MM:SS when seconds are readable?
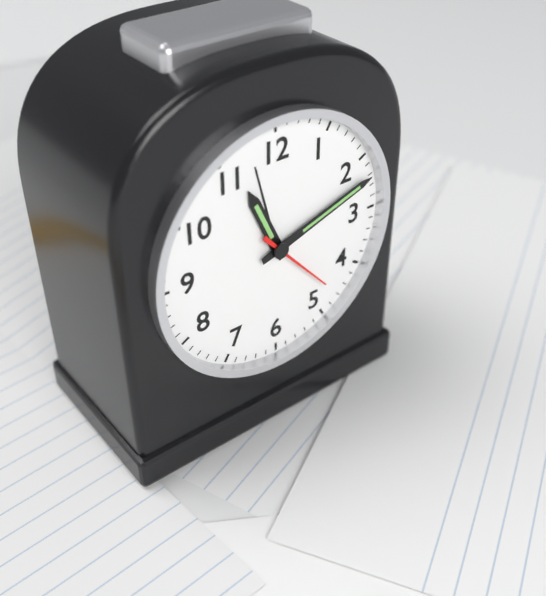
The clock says **11:12:23**
